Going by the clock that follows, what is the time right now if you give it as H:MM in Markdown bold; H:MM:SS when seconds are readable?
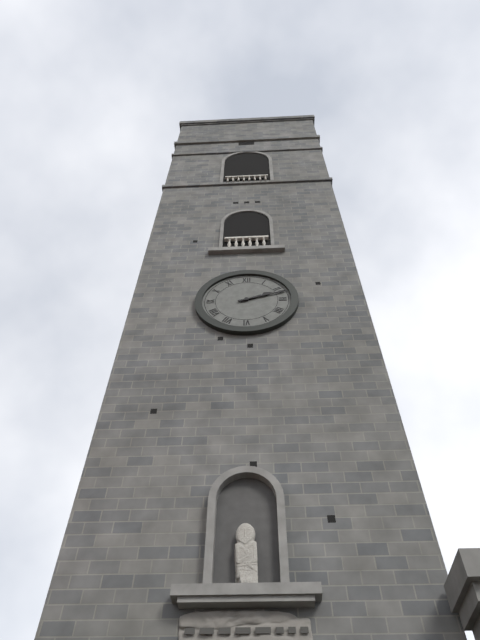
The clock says **2:12**
